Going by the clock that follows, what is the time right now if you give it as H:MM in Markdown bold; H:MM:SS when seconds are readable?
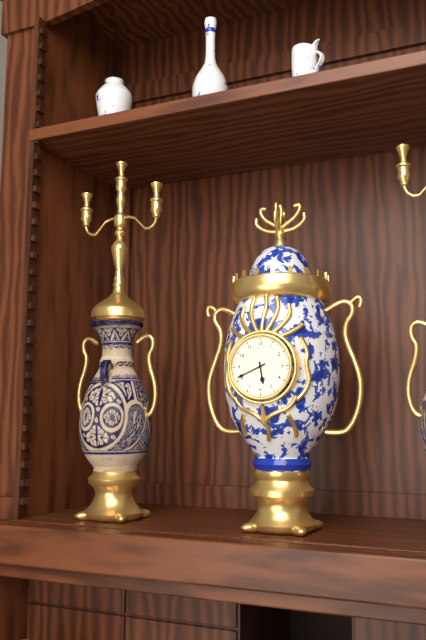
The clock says **5:41**
